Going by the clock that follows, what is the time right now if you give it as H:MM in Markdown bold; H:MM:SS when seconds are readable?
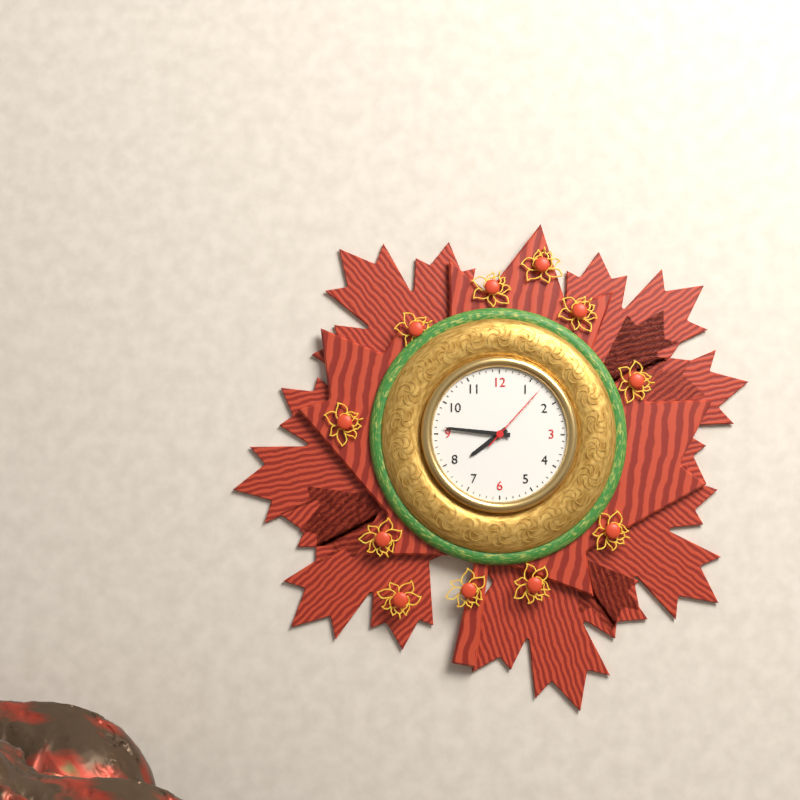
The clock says **7:46:07**
